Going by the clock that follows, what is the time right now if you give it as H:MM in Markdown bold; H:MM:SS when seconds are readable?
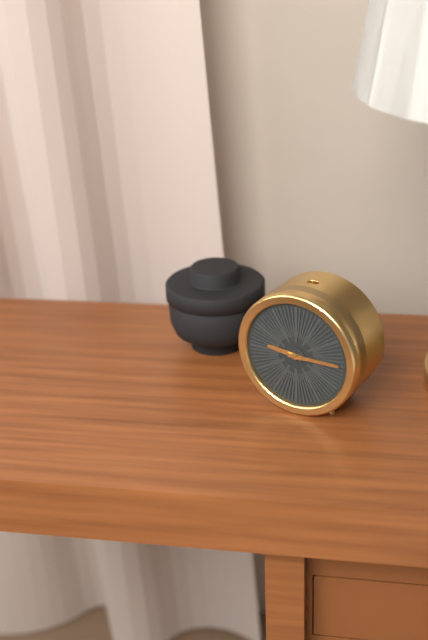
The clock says **9:15**
